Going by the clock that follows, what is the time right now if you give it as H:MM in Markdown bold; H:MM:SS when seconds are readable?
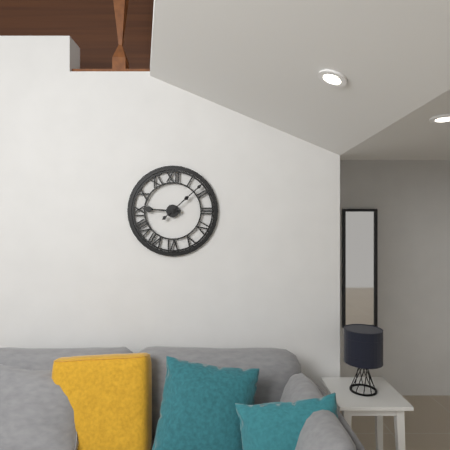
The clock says **9:08**
